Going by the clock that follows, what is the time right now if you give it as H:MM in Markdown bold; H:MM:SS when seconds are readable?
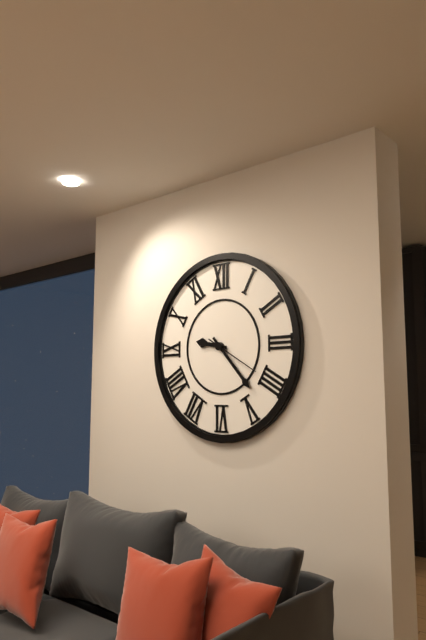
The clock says **9:23:20**
